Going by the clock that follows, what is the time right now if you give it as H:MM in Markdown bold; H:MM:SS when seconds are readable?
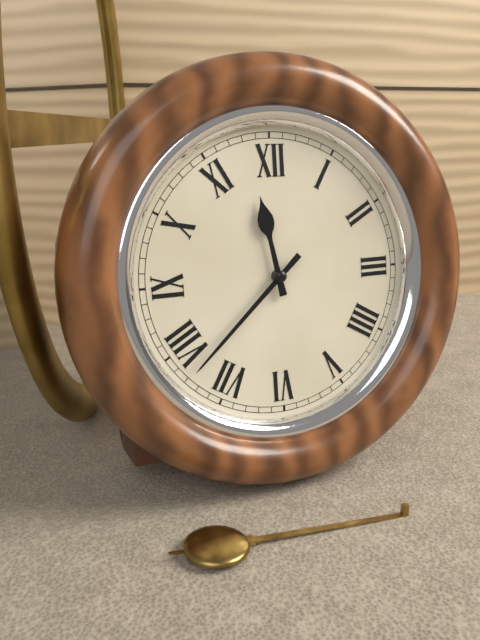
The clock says **11:38**
